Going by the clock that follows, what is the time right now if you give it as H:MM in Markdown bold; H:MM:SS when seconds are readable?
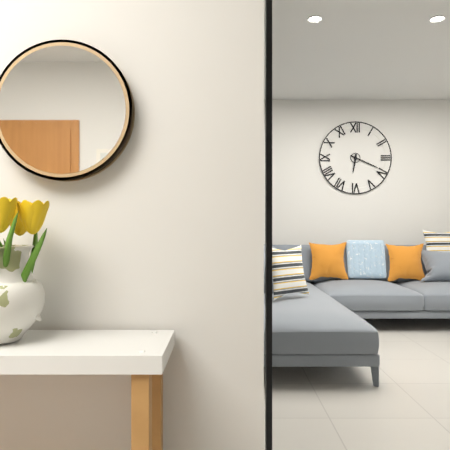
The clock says **6:19**
